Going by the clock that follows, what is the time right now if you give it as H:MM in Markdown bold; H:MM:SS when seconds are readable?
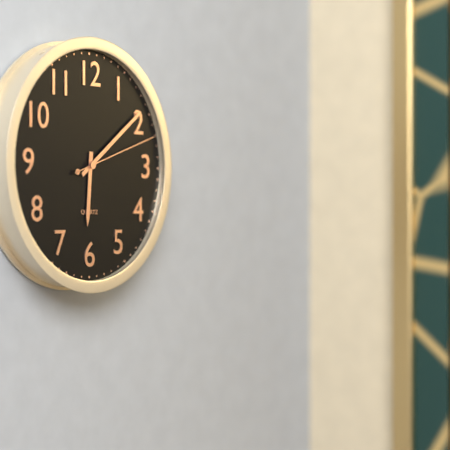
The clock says **6:09:12**
